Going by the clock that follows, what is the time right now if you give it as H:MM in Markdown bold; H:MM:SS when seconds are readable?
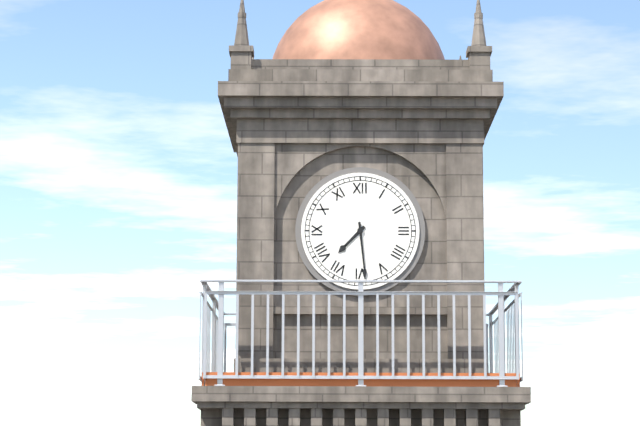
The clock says **7:29**
